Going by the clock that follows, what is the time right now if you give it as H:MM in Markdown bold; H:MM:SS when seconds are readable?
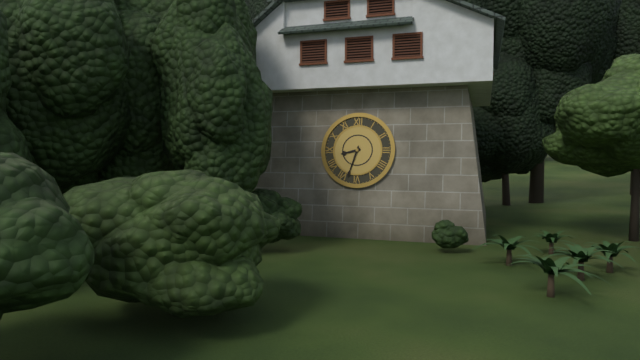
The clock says **8:33**
